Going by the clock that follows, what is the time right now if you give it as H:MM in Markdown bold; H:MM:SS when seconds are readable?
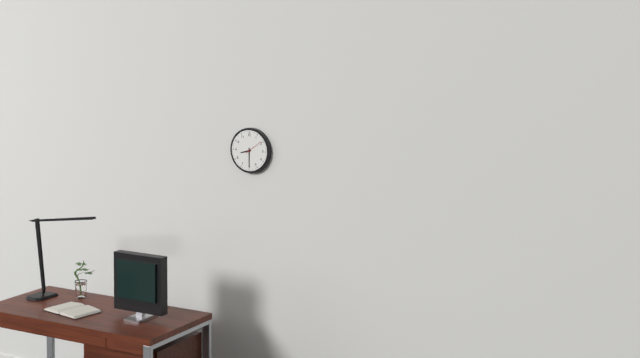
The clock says **8:30**
